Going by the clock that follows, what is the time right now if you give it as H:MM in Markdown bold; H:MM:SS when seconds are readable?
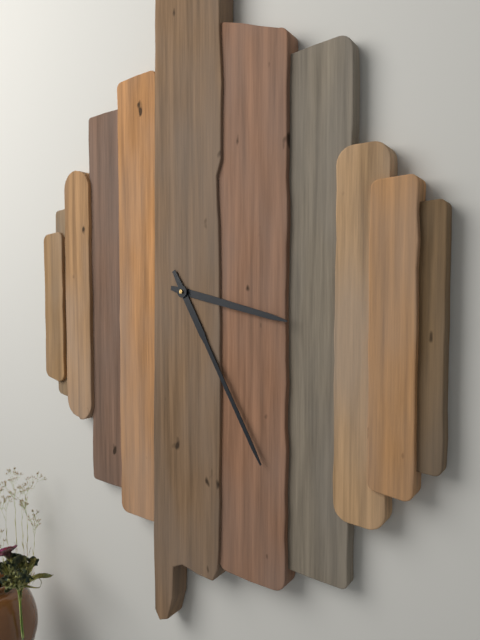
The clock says **3:25**
